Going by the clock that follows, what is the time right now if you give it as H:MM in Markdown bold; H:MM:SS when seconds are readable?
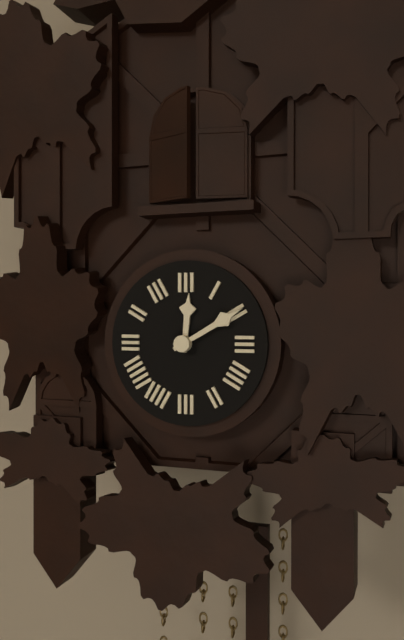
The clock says **12:10**
